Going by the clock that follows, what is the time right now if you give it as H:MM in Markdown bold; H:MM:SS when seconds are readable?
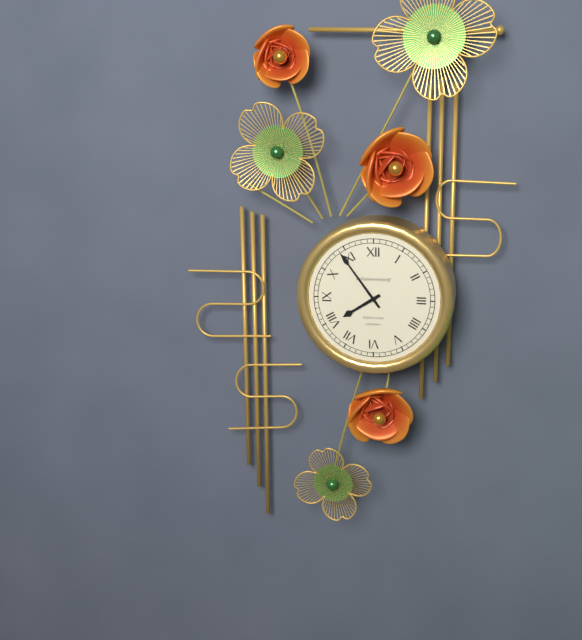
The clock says **7:54**
